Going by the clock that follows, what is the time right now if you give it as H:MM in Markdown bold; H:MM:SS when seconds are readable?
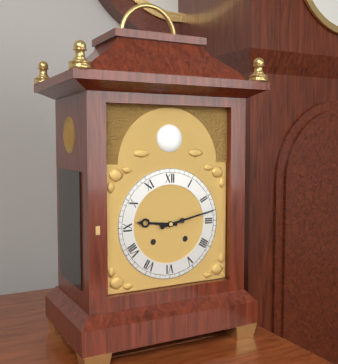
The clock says **9:13**
